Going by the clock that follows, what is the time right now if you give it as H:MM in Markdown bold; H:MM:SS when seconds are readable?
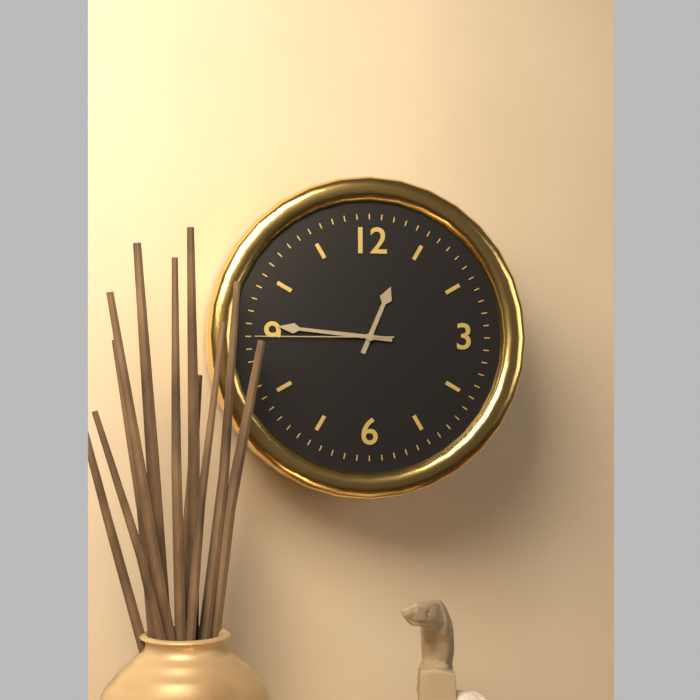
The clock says **12:46:45**
